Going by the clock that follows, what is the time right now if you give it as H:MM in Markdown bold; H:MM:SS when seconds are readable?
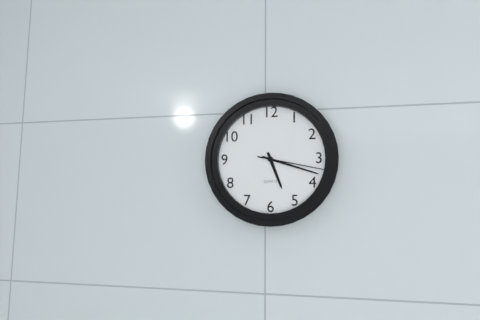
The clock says **5:18:17**
